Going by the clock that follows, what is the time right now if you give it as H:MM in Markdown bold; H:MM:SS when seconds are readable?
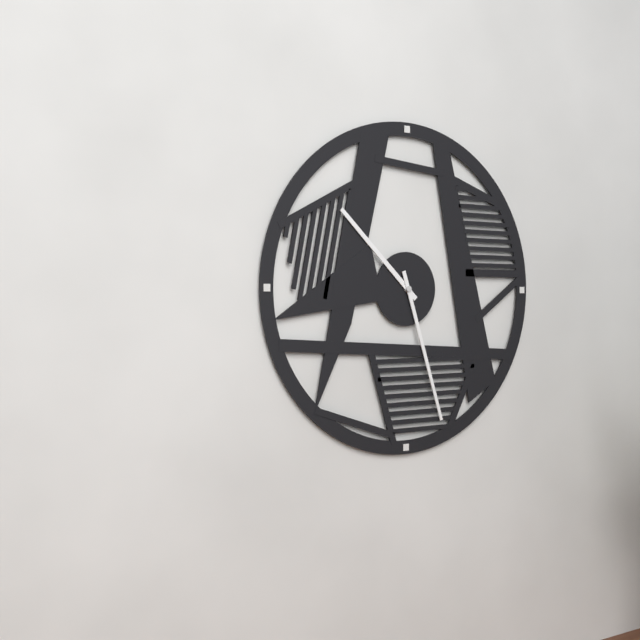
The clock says **10:27**
